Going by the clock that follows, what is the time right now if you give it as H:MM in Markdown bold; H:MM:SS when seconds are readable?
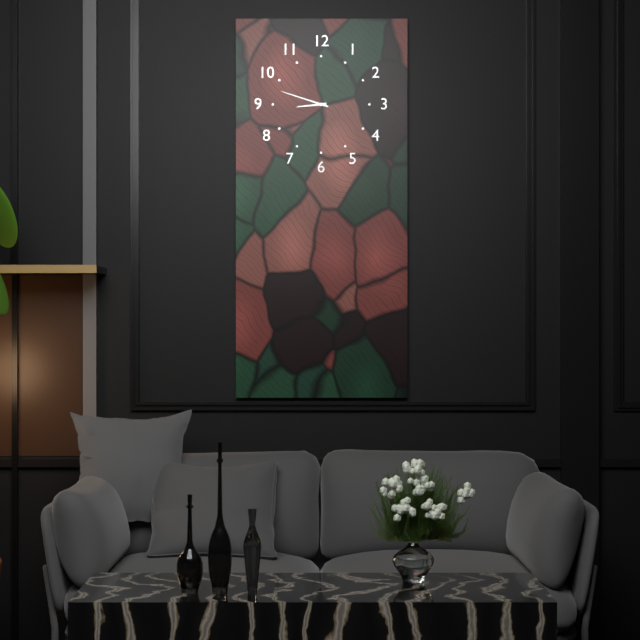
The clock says **8:48**
